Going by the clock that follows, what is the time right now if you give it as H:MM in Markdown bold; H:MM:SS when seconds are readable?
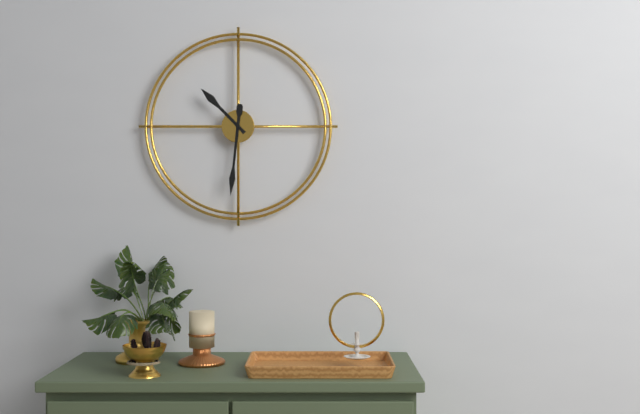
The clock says **10:31**
